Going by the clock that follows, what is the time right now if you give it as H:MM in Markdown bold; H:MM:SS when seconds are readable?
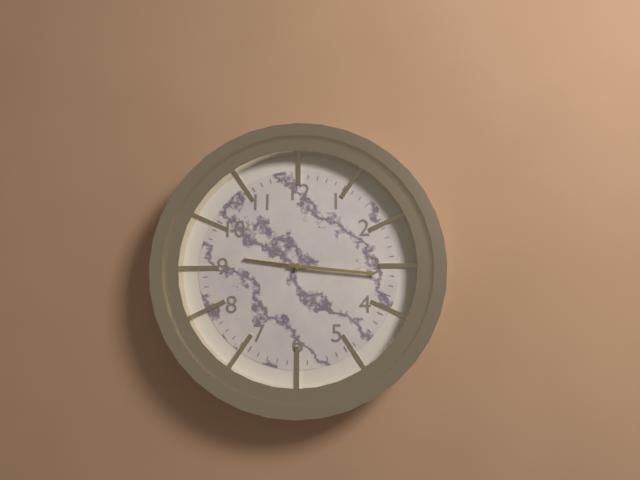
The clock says **9:16**
